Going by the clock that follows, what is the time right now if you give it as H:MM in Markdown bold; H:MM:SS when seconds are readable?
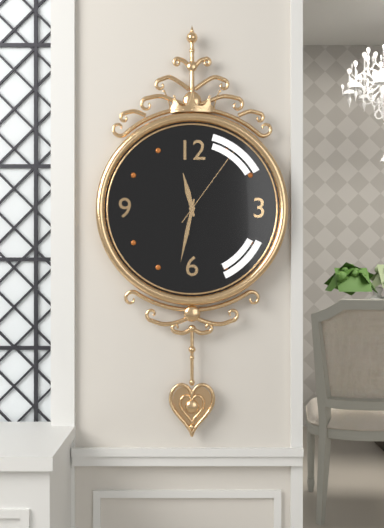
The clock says **11:32:06**
